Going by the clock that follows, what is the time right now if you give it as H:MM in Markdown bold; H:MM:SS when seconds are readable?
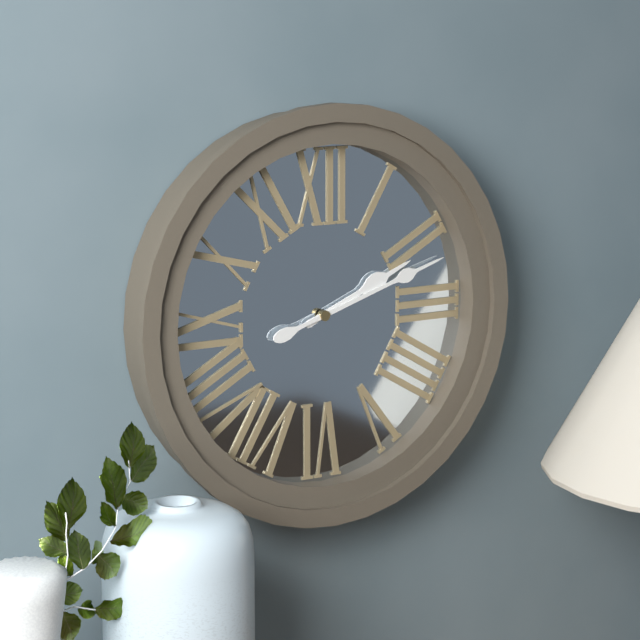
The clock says **2:12**
